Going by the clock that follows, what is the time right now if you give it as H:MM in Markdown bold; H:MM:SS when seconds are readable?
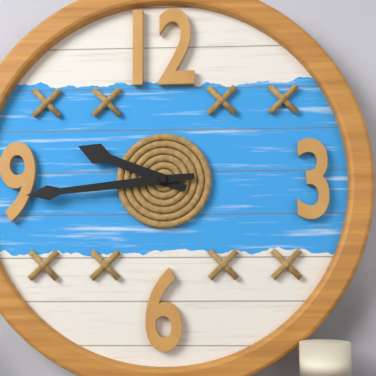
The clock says **9:44**
